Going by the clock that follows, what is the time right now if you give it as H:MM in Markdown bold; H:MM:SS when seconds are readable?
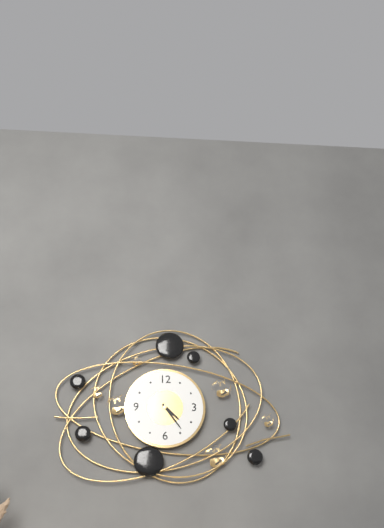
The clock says **4:24**
